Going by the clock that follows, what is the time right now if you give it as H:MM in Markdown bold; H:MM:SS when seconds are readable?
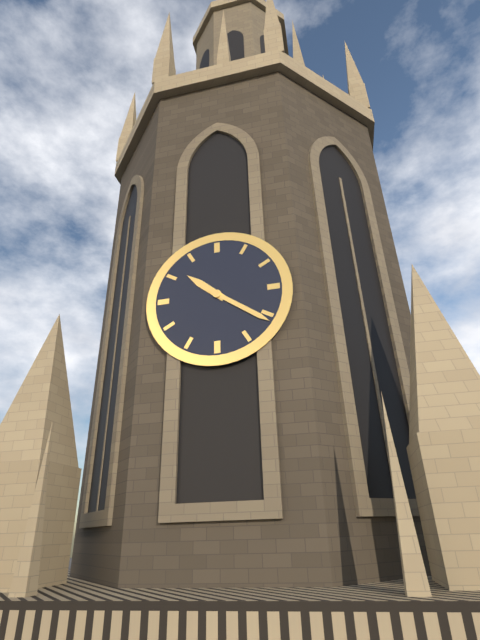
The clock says **10:21**
